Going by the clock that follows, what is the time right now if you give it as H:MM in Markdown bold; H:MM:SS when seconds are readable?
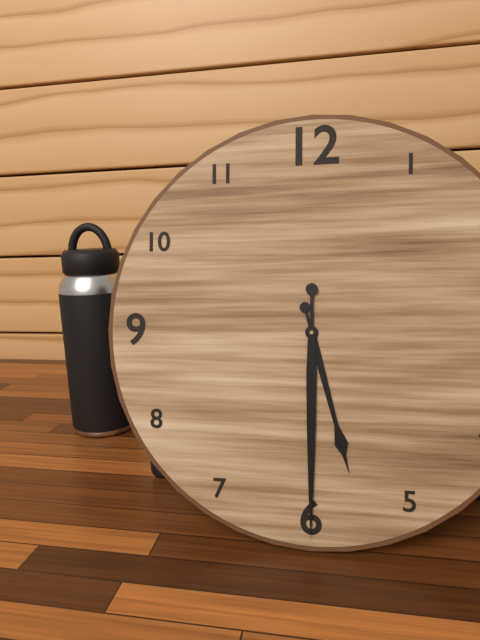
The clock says **5:30**
